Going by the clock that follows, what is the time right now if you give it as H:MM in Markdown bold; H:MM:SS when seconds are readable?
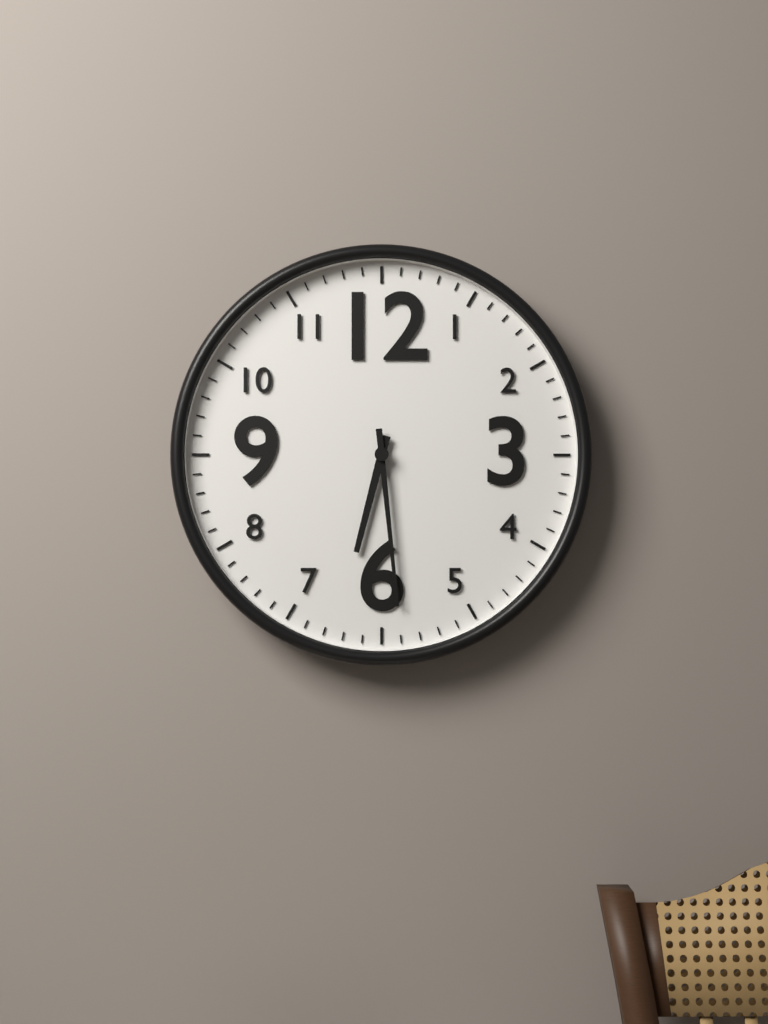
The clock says **6:29**
